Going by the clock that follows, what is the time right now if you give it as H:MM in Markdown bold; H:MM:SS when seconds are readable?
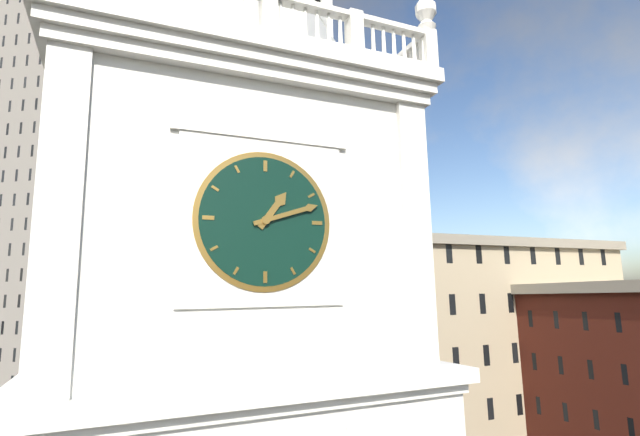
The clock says **1:12**
